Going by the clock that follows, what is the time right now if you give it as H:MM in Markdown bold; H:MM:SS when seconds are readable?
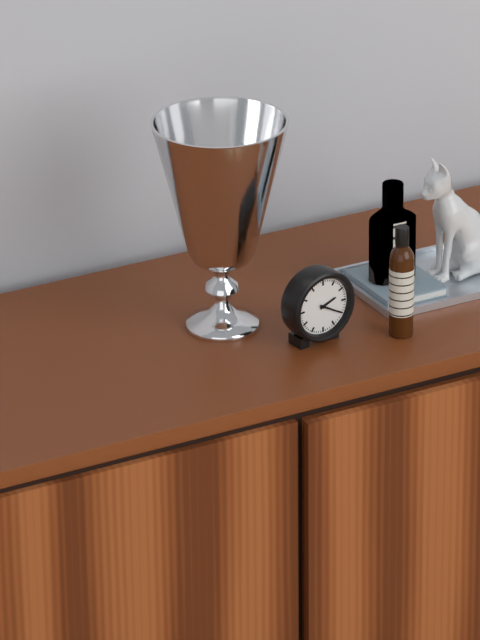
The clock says **2:20**
